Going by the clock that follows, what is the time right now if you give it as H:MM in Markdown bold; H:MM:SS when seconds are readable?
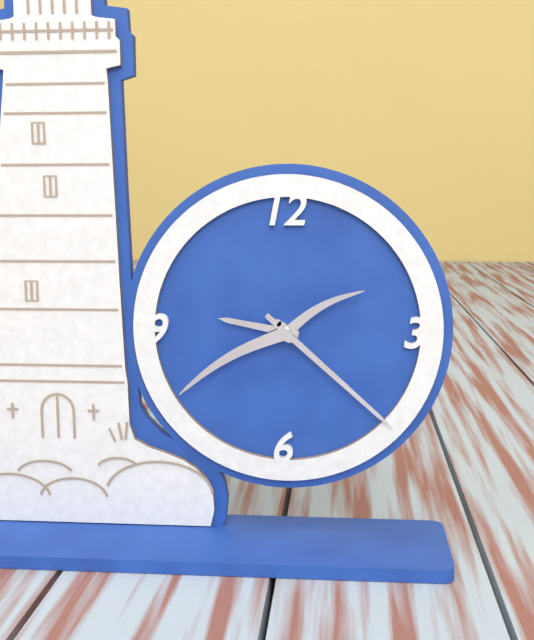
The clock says **9:22:40**
